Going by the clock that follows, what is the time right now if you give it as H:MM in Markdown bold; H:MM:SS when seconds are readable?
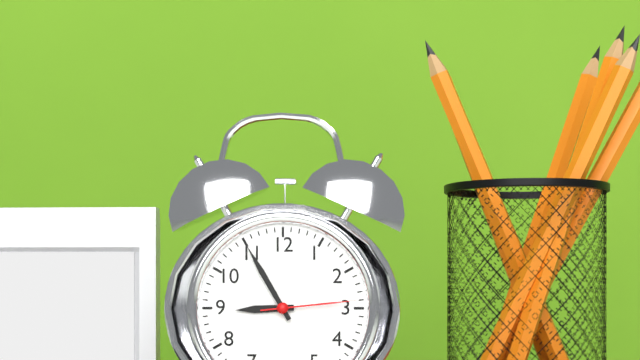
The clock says **8:55:14**
